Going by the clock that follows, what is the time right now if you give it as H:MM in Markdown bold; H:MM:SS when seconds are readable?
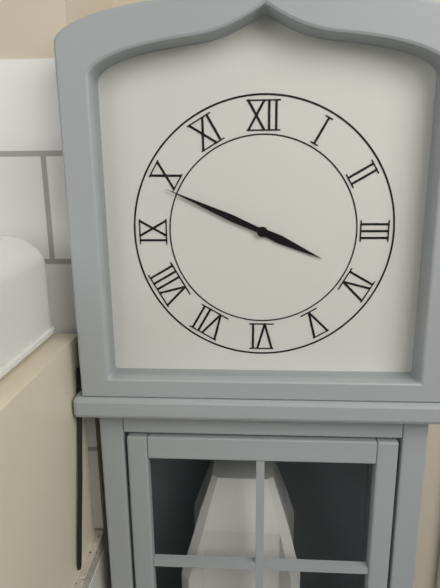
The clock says **3:49**
